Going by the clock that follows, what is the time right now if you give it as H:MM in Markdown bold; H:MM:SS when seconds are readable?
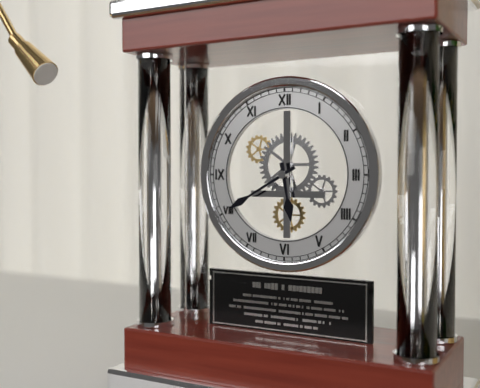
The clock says **5:40**
